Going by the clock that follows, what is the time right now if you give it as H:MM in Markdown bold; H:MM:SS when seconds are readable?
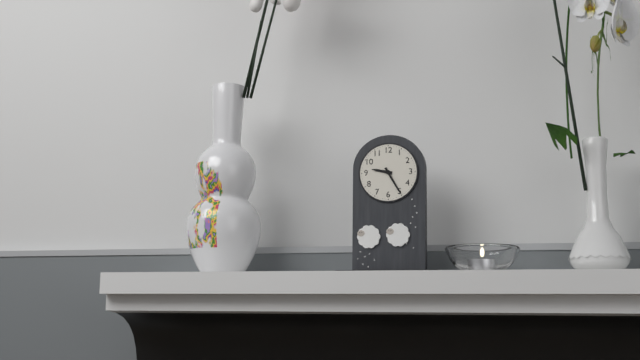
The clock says **9:25**
